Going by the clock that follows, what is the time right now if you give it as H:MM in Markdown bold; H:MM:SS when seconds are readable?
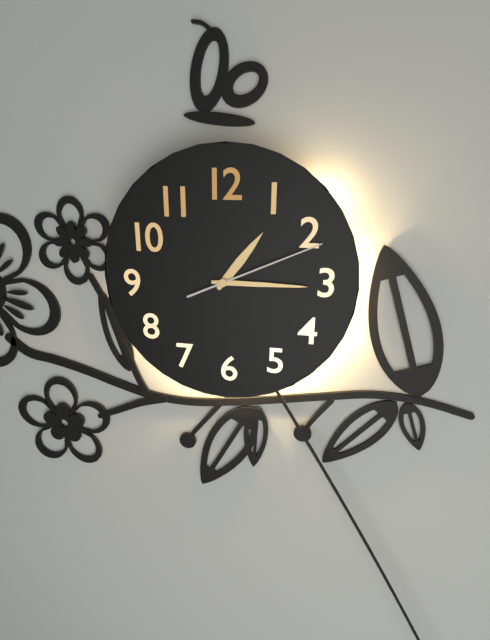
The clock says **1:15:11**
